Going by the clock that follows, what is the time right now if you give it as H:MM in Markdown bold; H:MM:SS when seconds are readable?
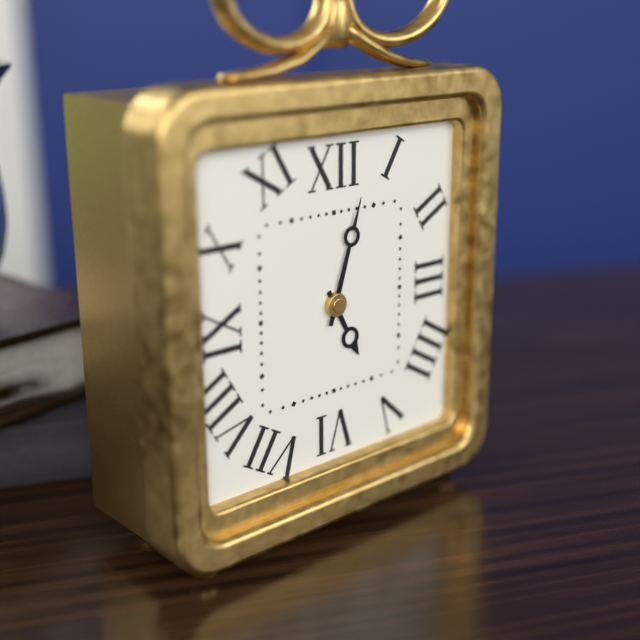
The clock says **5:03**
